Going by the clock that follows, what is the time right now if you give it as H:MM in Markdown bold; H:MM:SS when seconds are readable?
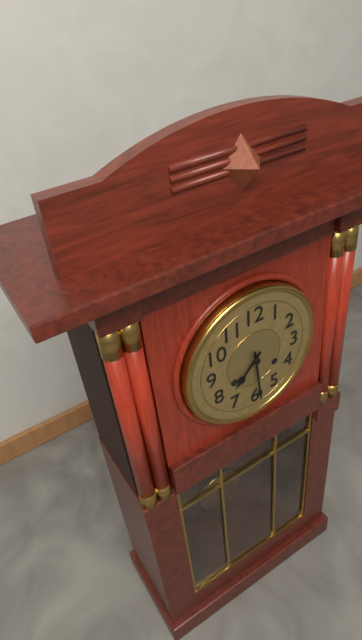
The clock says **7:29**
